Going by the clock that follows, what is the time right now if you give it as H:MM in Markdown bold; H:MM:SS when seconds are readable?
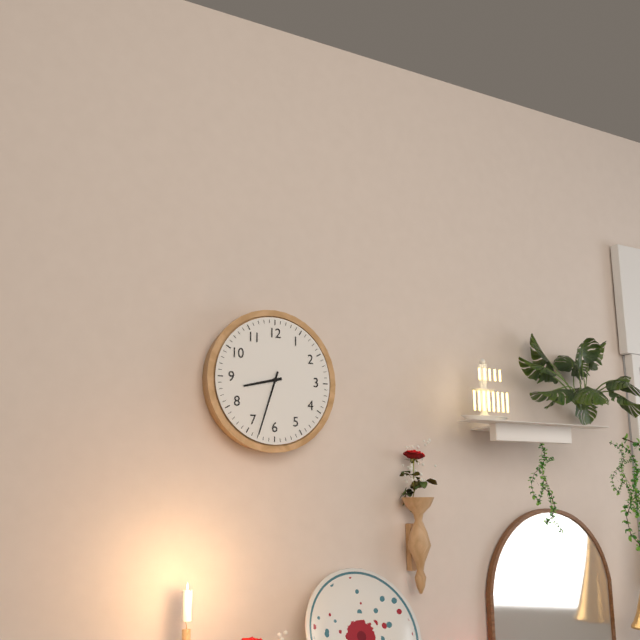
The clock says **8:33**
